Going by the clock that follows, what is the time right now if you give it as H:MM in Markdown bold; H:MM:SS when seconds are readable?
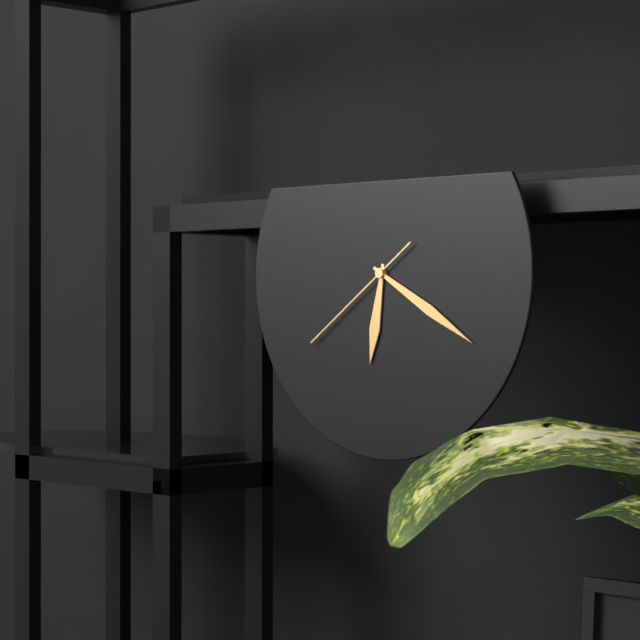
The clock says **6:20:39**
